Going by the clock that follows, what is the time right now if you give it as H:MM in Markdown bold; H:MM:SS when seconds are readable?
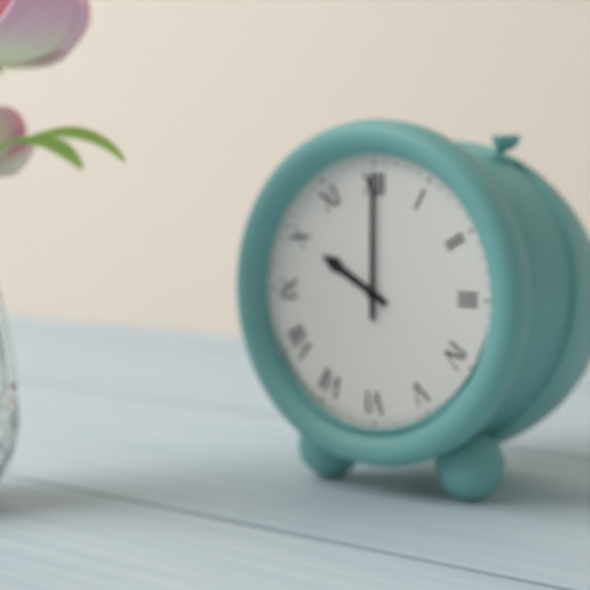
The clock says **10:00**
